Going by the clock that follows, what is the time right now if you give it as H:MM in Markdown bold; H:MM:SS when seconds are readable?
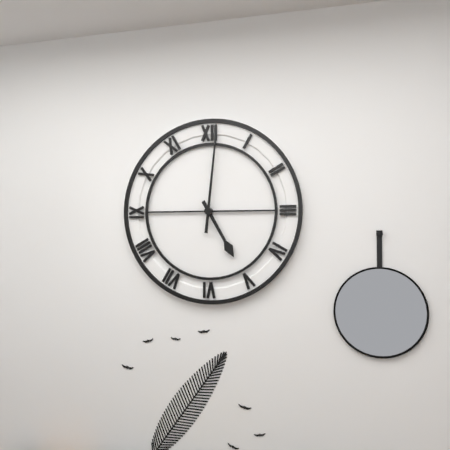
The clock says **5:01**
